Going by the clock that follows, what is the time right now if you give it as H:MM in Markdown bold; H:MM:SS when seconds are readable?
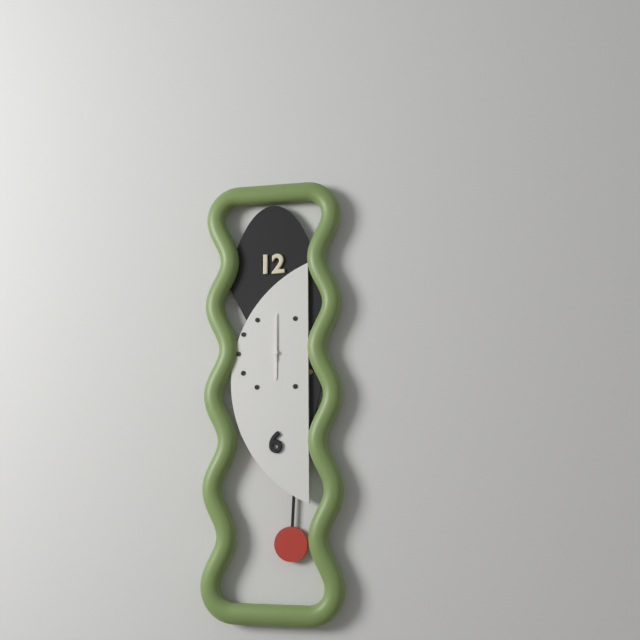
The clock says **6:00**
